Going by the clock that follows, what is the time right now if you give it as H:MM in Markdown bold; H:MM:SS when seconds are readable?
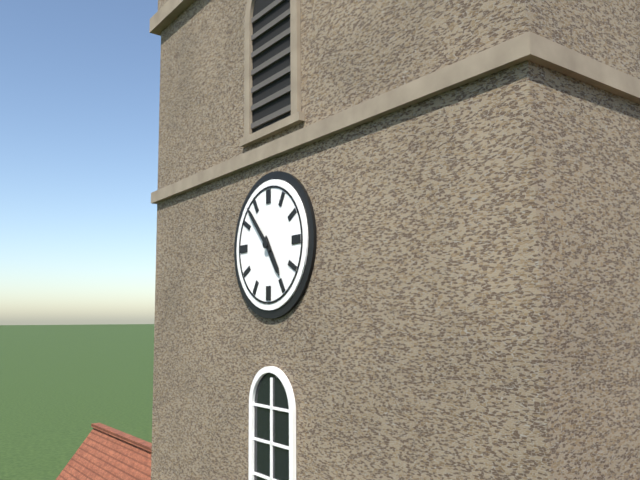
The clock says **4:53**
